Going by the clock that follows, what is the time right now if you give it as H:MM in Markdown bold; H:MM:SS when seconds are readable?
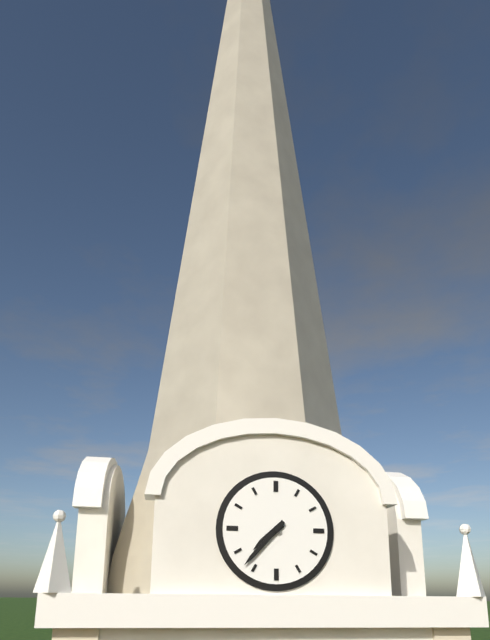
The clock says **7:37**
